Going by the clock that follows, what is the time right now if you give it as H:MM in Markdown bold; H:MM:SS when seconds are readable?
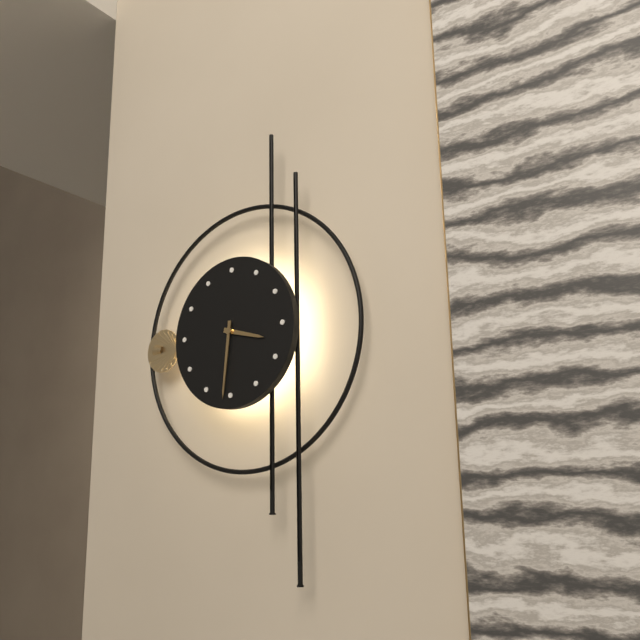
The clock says **3:31**
